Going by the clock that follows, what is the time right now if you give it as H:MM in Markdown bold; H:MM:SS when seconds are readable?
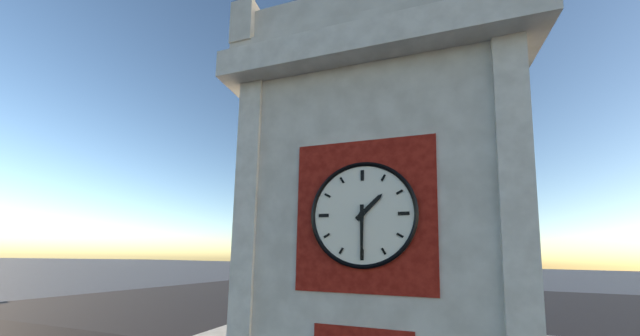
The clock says **1:30**
